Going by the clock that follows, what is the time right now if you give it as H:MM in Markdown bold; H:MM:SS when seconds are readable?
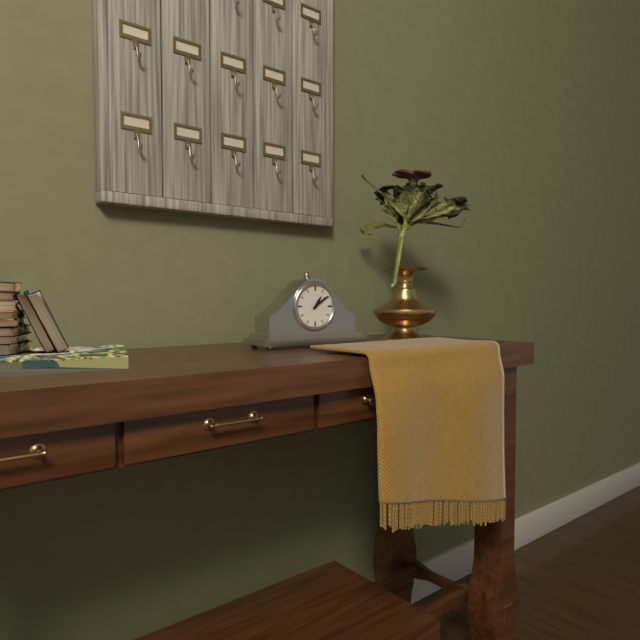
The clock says **1:09**
